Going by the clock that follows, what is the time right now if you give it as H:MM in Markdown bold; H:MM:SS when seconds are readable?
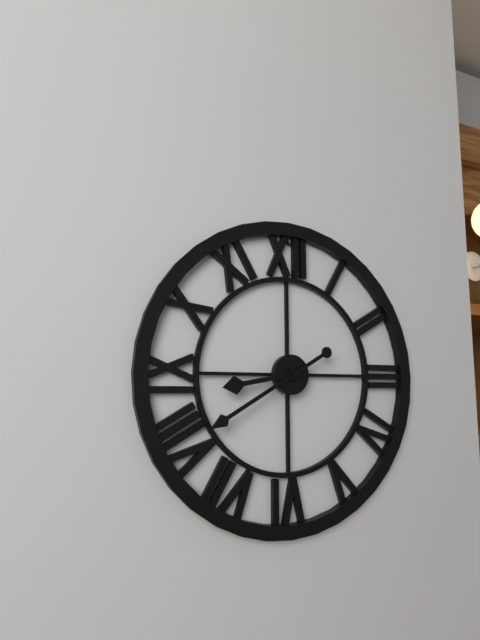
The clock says **8:40**
